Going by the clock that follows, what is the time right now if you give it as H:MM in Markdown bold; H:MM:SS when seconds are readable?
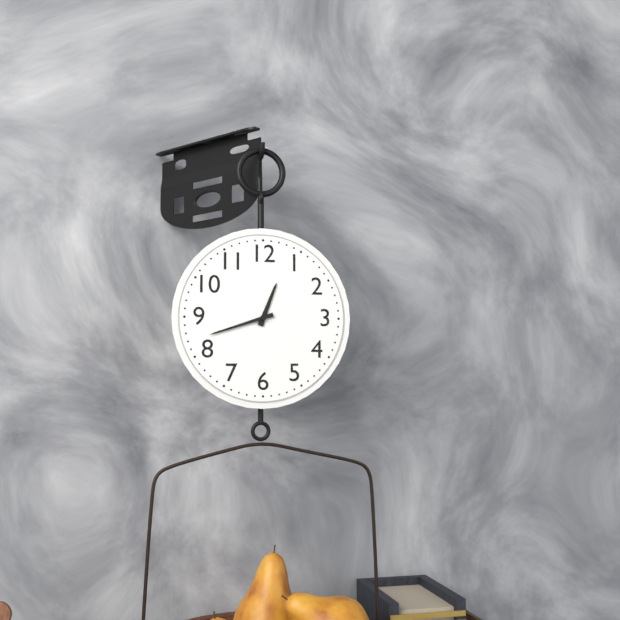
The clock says **12:42**
